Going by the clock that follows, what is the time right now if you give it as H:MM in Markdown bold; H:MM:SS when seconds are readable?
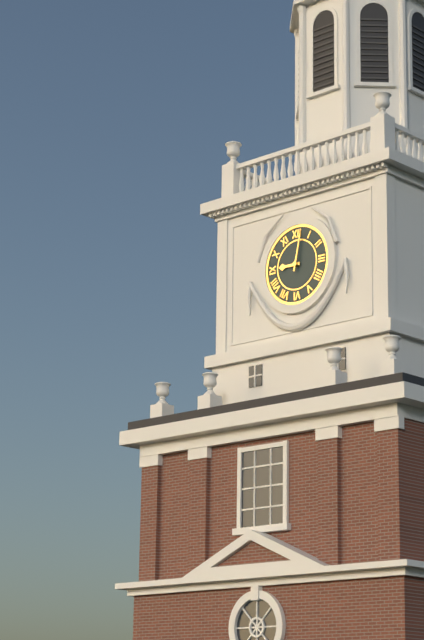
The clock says **9:02**
